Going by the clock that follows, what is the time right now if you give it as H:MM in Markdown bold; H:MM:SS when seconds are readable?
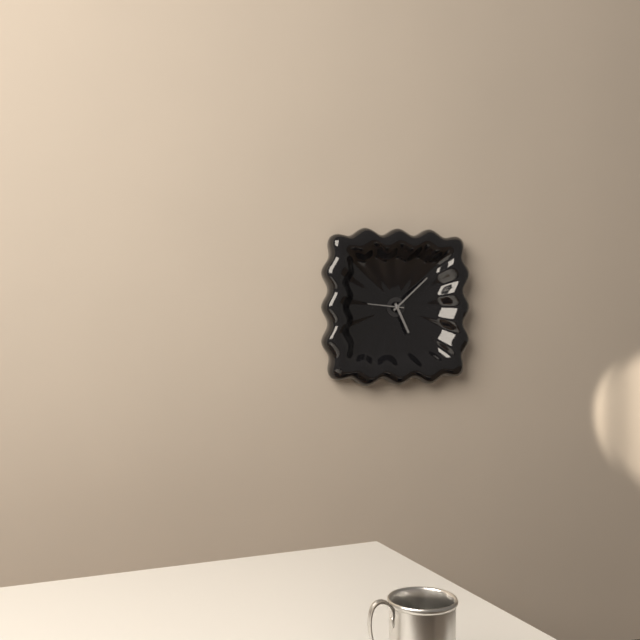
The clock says **5:08**
